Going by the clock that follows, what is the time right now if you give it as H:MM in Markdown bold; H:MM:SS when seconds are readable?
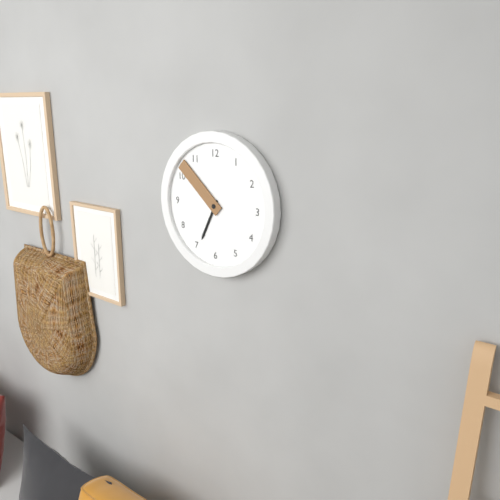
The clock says **6:52**
